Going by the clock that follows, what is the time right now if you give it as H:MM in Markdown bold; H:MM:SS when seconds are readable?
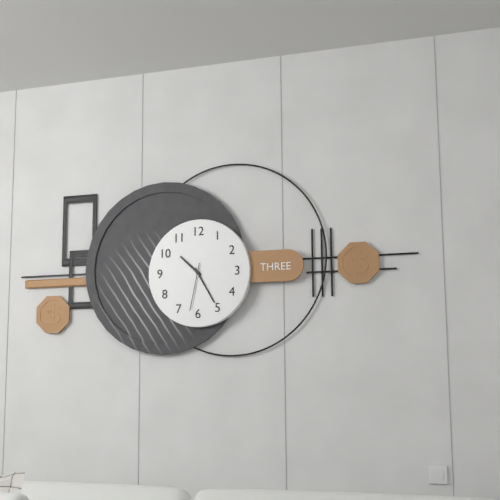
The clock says **10:25**
